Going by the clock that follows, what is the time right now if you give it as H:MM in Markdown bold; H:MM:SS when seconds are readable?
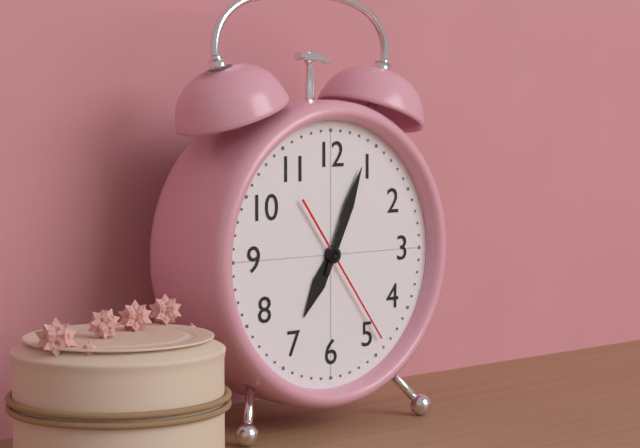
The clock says **7:04:24**
